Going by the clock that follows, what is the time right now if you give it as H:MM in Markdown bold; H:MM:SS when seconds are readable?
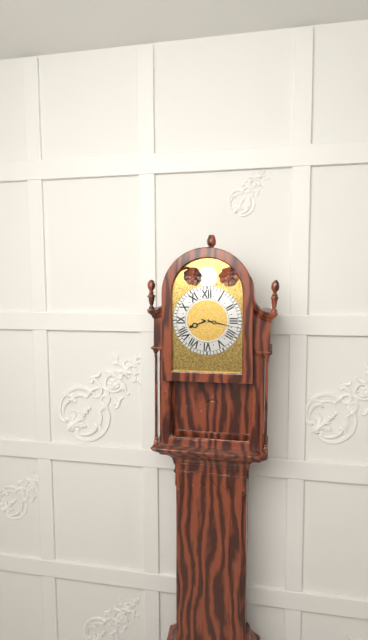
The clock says **8:17**
